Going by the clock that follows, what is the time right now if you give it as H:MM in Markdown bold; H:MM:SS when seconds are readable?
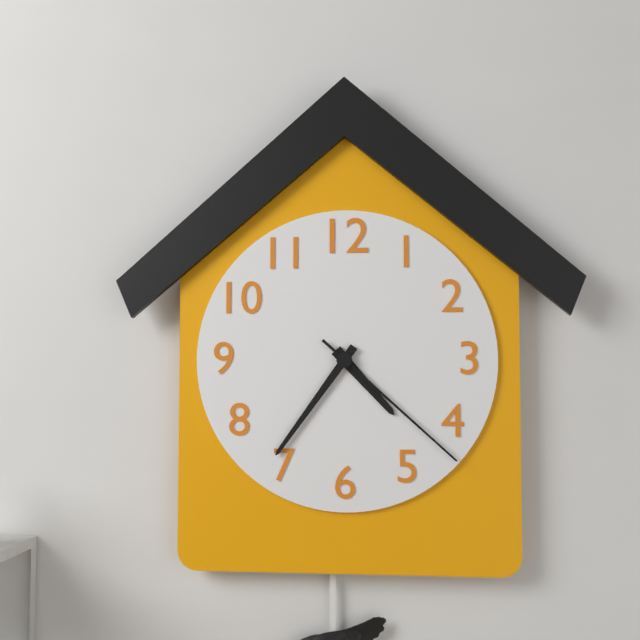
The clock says **4:36:22**
